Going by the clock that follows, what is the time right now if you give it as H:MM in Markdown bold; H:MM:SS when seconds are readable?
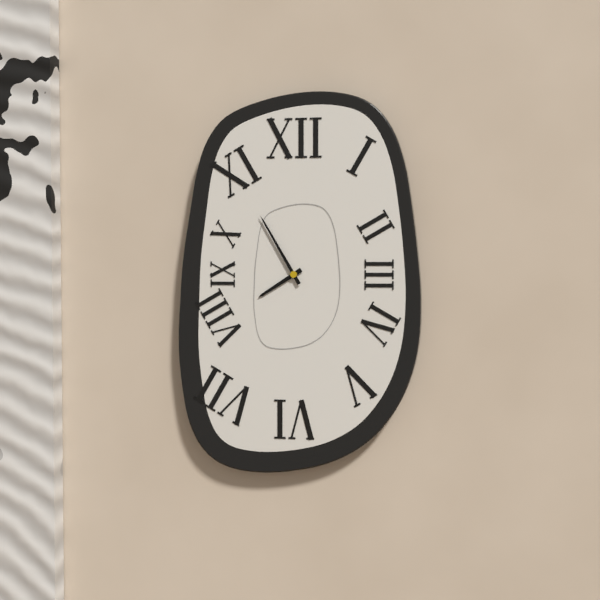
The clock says **7:55**
